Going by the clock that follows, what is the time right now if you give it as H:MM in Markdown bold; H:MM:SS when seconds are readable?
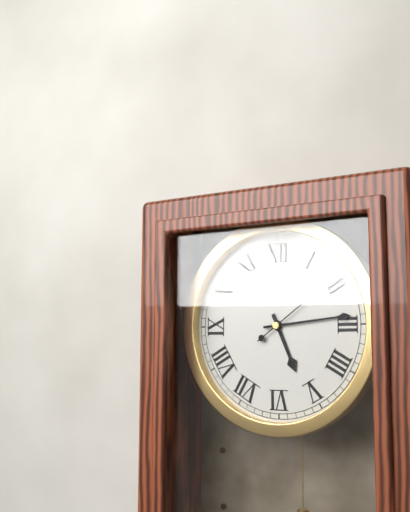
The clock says **5:14:09**
